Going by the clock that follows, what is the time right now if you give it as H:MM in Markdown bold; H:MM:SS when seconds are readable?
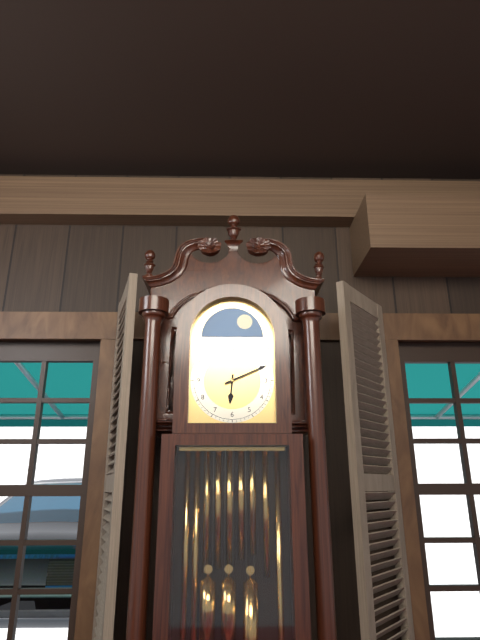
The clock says **6:11**
